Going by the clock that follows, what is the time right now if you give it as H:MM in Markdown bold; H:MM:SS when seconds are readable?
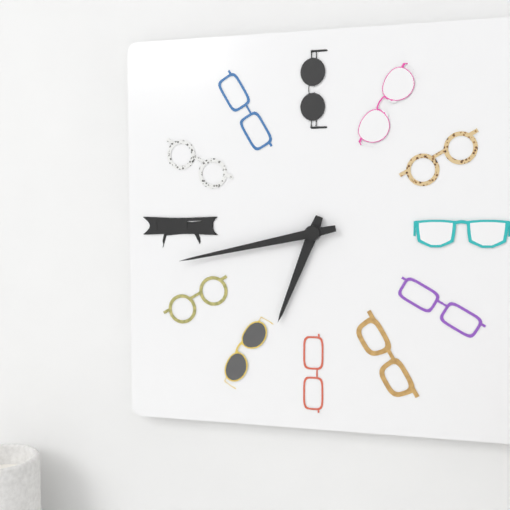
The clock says **6:43**
